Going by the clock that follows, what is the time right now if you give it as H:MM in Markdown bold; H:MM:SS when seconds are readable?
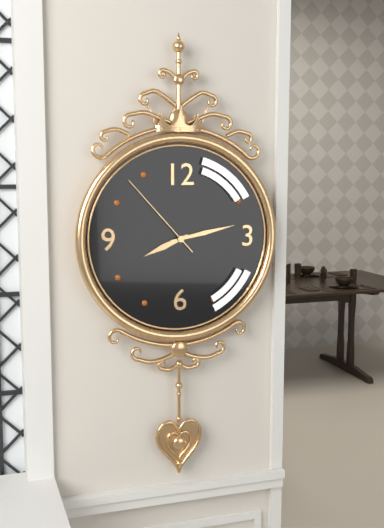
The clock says **8:13:53**
